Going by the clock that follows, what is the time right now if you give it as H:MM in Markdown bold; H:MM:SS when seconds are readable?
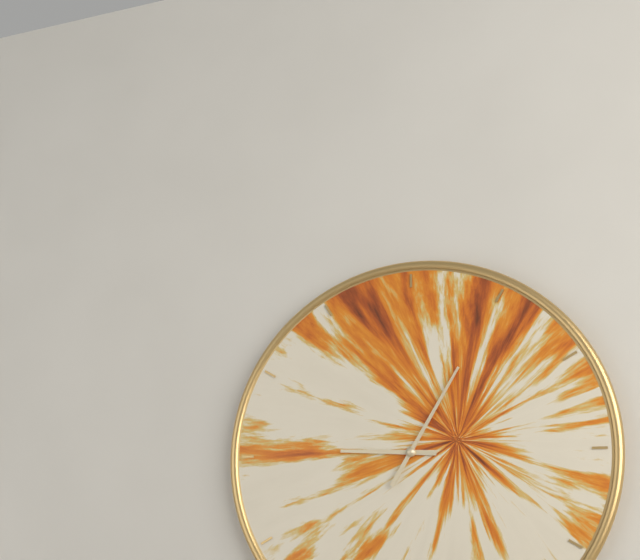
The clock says **9:05**
